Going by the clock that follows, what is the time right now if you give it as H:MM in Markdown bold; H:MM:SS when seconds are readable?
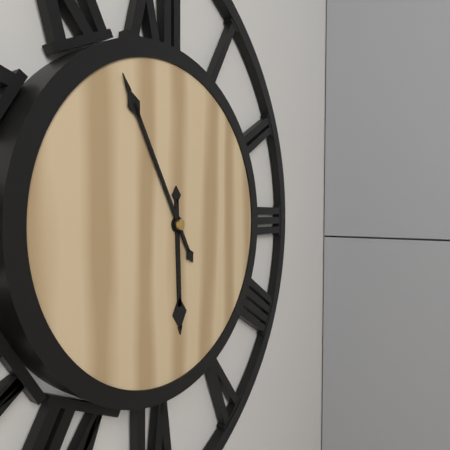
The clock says **5:55**
